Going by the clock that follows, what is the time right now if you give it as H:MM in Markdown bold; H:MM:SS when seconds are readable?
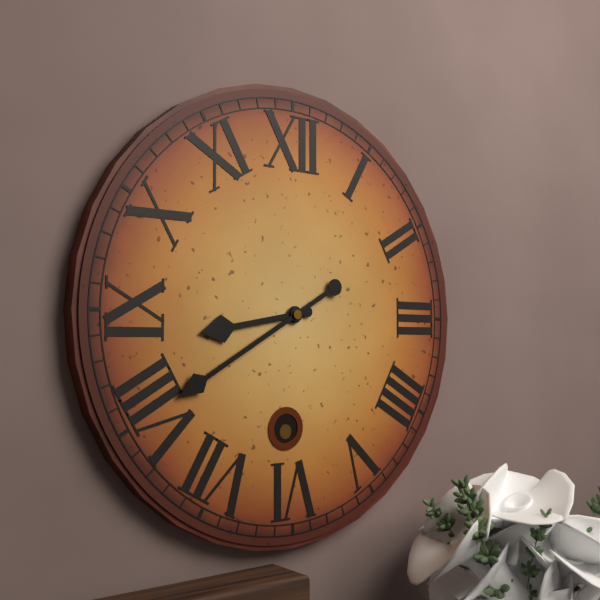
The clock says **8:40**
